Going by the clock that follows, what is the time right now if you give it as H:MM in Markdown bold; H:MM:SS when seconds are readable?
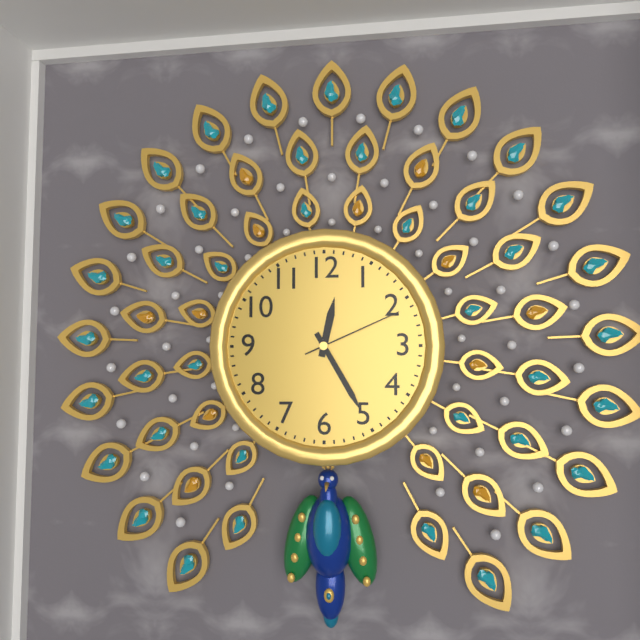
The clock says **12:25:11**
